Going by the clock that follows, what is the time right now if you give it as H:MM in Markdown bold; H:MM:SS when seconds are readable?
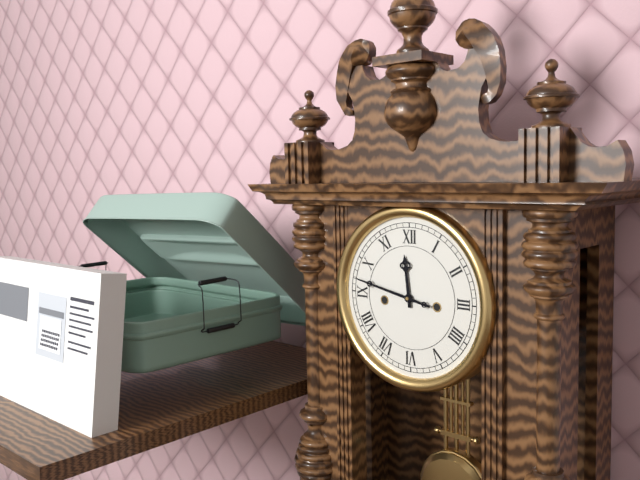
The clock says **11:47**
